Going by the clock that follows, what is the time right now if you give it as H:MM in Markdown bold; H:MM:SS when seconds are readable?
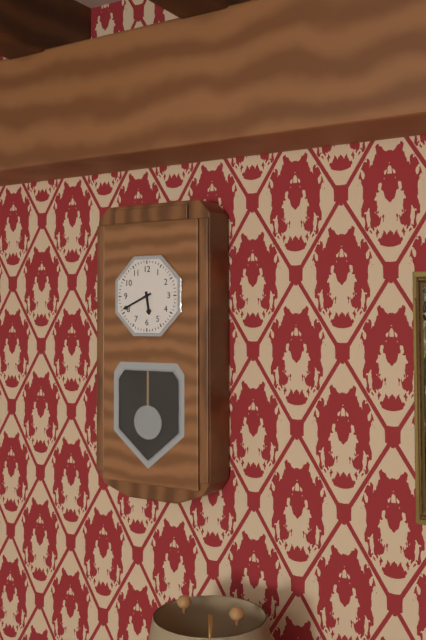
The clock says **5:41**
